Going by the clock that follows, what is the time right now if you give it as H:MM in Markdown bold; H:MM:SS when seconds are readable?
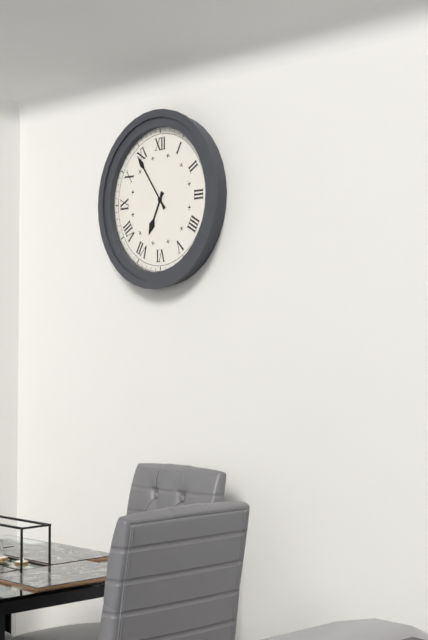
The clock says **6:54**
